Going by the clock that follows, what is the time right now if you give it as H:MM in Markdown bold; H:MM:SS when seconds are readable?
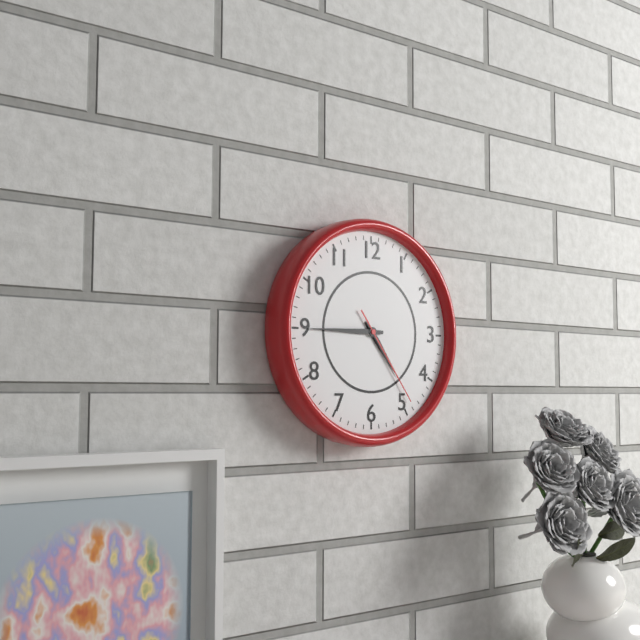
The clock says **4:45:24**
